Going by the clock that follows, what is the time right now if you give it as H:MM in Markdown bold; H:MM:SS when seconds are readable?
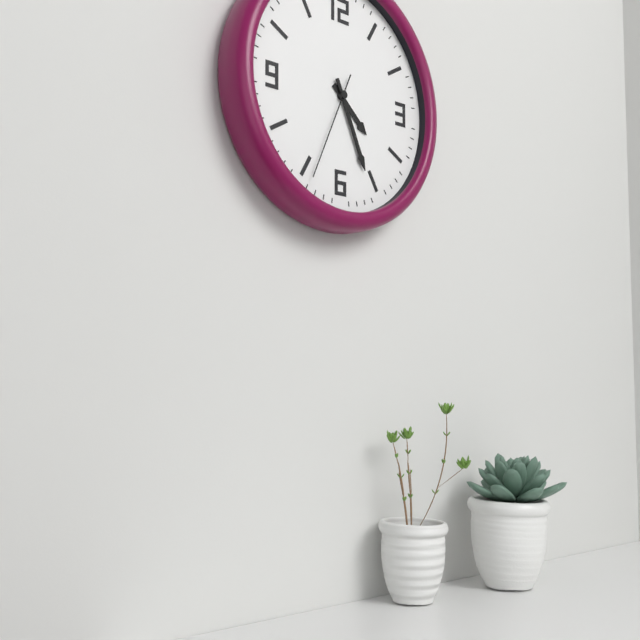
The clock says **4:26:34**
